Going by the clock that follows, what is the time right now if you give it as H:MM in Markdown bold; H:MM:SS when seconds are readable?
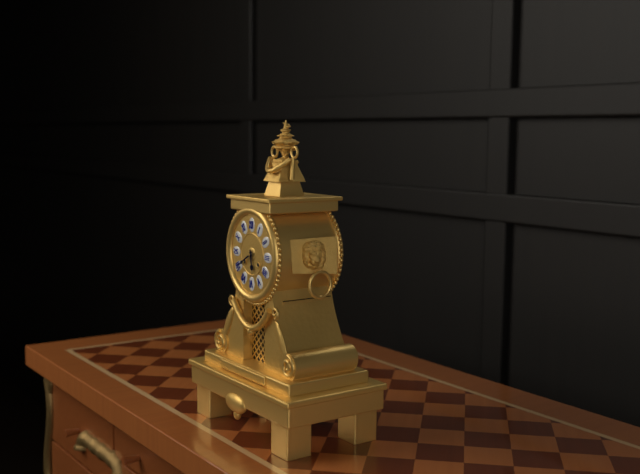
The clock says **5:40**
